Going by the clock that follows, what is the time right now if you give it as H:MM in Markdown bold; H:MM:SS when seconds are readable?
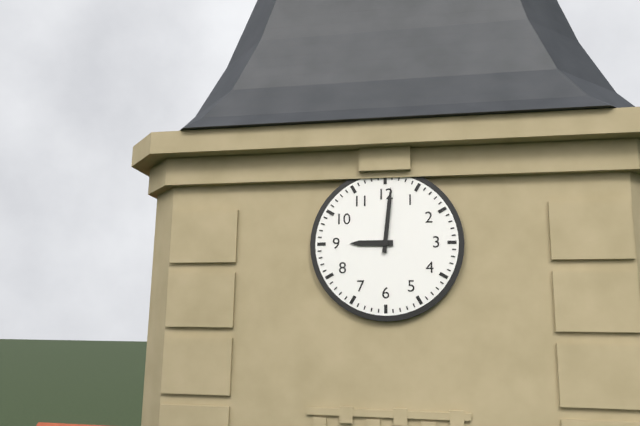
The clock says **9:01**
